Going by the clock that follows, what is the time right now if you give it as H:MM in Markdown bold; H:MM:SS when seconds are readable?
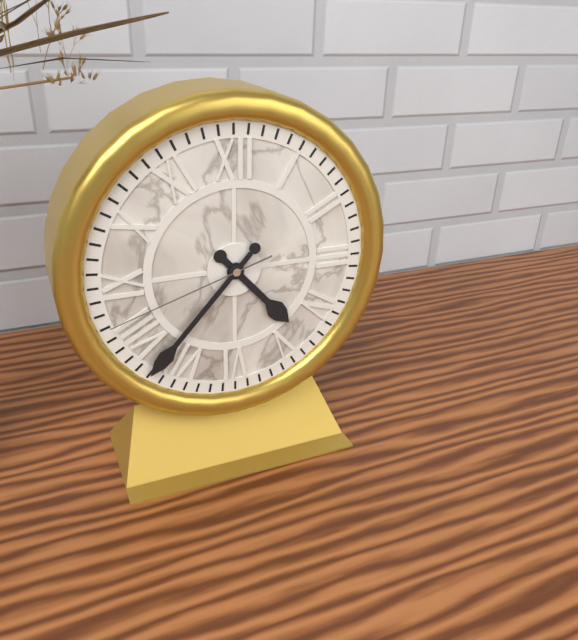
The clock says **4:37:42**
